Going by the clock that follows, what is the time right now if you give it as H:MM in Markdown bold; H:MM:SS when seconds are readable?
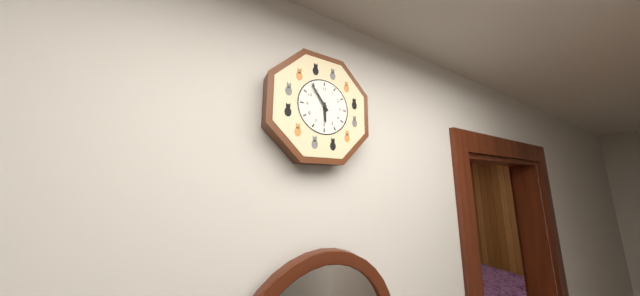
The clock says **5:54**
